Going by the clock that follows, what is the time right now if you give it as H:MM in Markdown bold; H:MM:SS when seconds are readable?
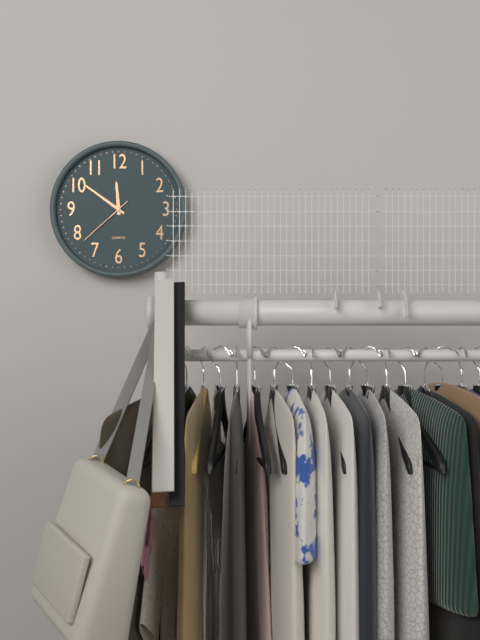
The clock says **11:51:38**
